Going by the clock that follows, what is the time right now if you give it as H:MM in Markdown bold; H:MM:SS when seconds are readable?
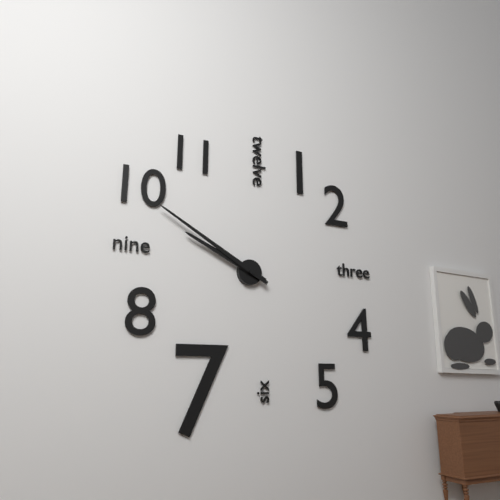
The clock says **9:50**
